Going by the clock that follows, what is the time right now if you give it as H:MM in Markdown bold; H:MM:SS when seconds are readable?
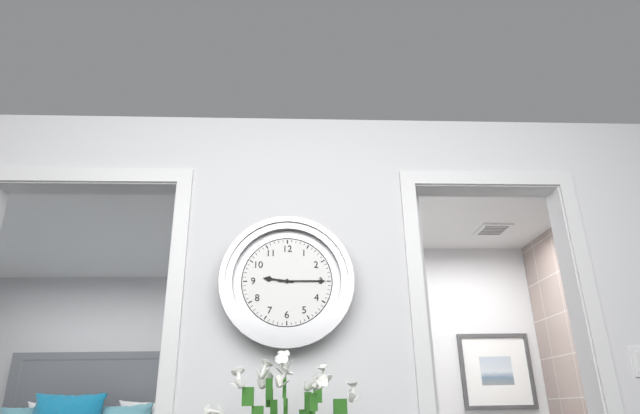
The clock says **9:15**
